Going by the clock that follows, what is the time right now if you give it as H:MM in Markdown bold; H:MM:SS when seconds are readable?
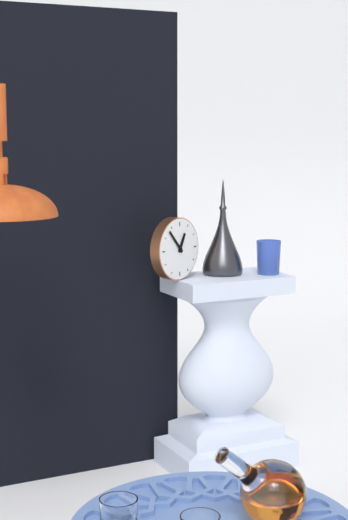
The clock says **12:53**
